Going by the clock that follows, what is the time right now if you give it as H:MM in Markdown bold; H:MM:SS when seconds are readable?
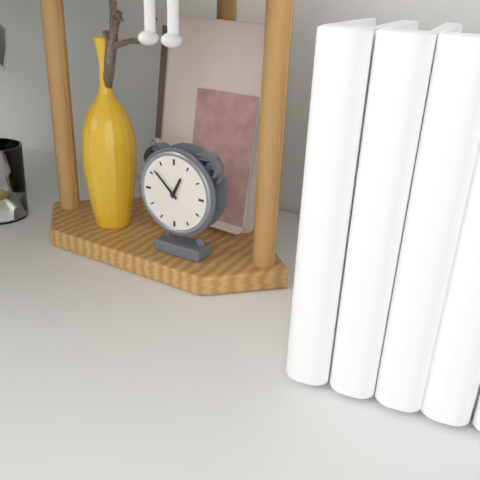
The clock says **12:52**
